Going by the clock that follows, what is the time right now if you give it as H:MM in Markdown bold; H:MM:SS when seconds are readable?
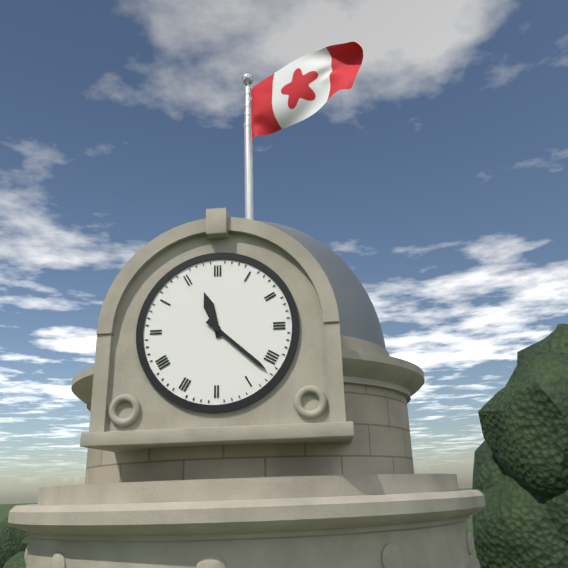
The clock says **11:22**
